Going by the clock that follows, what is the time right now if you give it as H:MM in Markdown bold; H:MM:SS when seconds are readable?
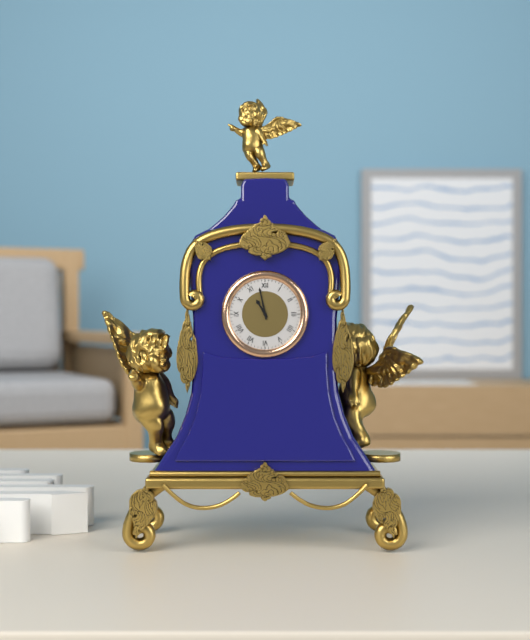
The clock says **10:58**
